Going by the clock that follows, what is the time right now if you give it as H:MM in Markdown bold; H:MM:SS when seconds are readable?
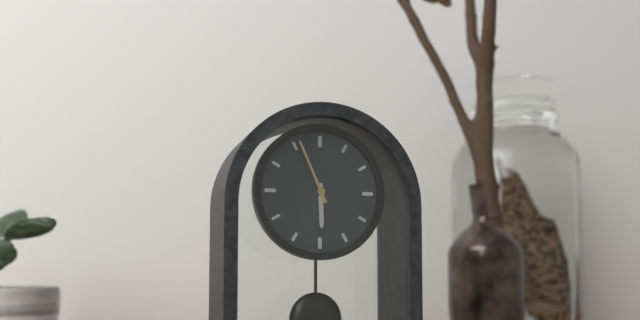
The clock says **5:56**
